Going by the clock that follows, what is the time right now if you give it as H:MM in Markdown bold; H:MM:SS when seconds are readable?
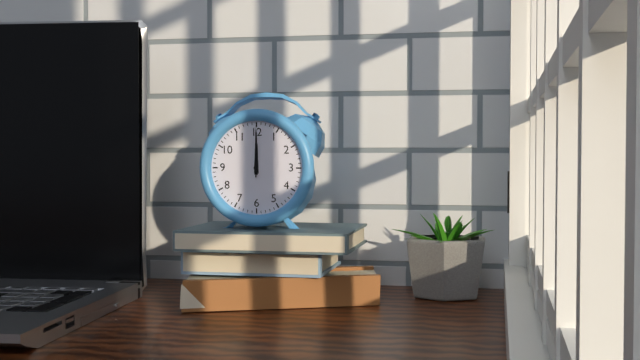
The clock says **12:00:00**
